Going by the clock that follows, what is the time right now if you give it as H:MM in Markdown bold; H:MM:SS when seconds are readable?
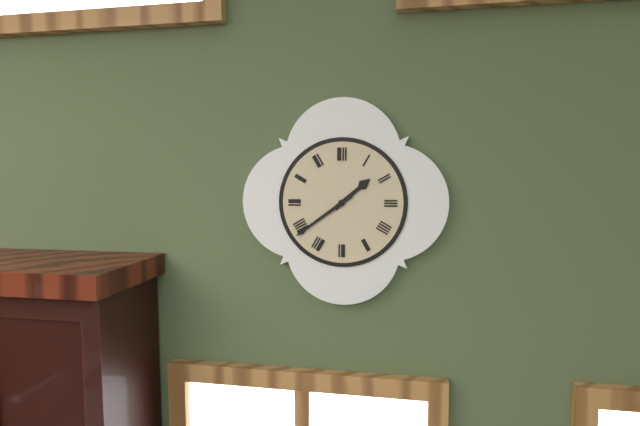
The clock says **1:39**
